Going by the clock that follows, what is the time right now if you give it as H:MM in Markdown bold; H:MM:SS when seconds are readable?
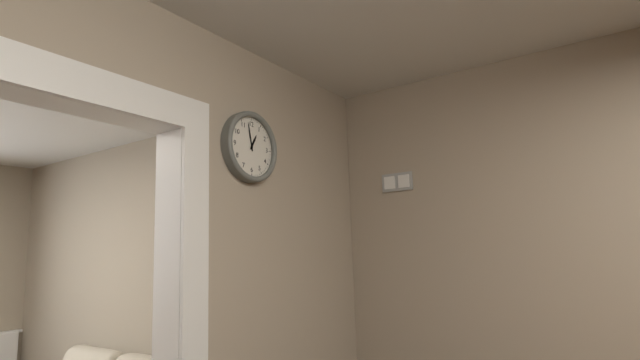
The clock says **12:58**
